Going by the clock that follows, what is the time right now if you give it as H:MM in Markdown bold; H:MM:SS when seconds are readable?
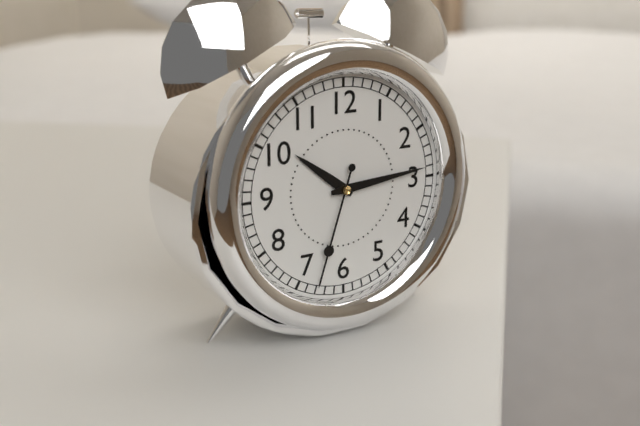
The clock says **10:14:33**
